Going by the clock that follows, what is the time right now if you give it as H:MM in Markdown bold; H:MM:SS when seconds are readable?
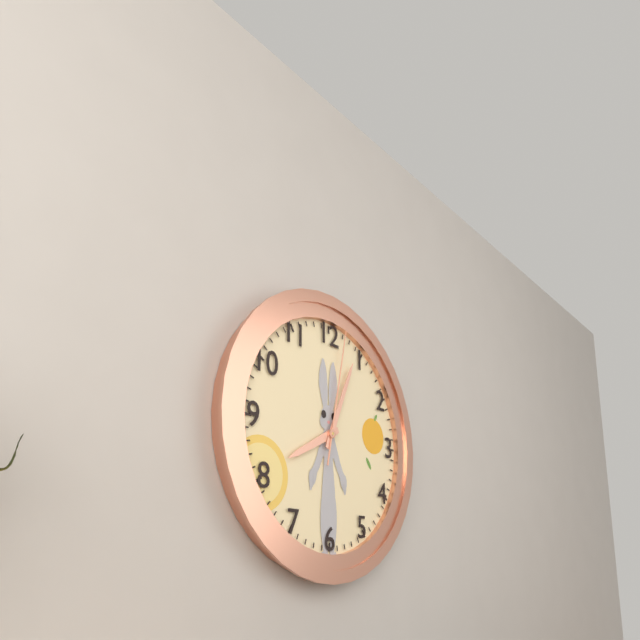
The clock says **8:04:02**
